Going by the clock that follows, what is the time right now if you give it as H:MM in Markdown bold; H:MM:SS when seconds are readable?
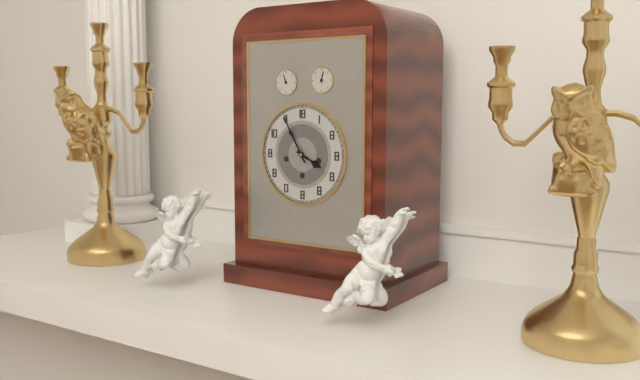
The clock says **3:55**
